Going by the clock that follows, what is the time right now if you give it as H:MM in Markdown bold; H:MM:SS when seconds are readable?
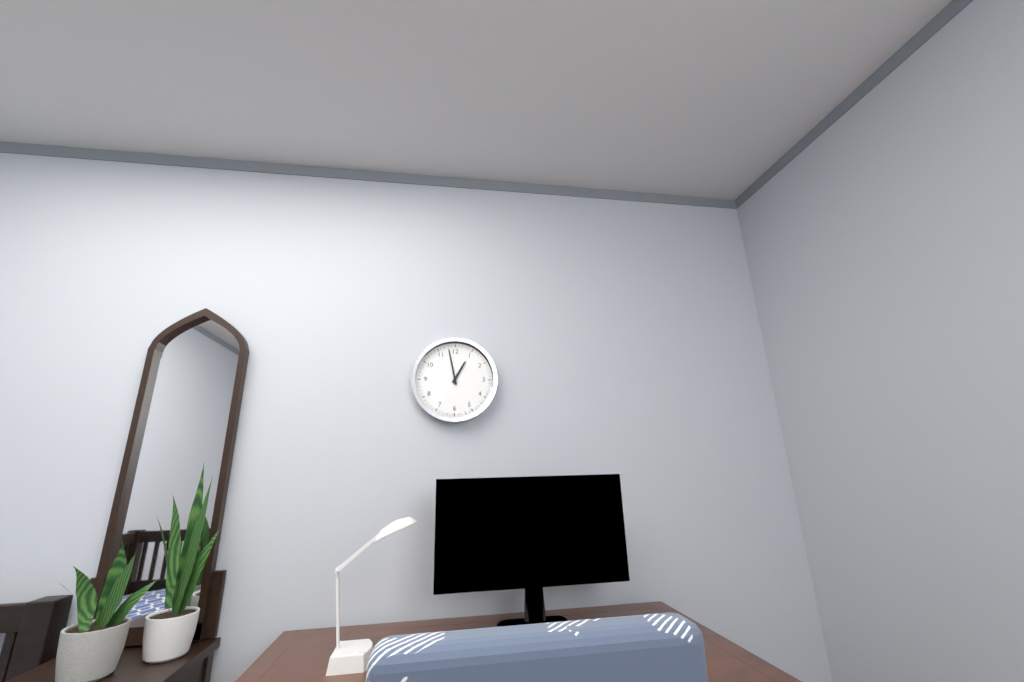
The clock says **12:58**
